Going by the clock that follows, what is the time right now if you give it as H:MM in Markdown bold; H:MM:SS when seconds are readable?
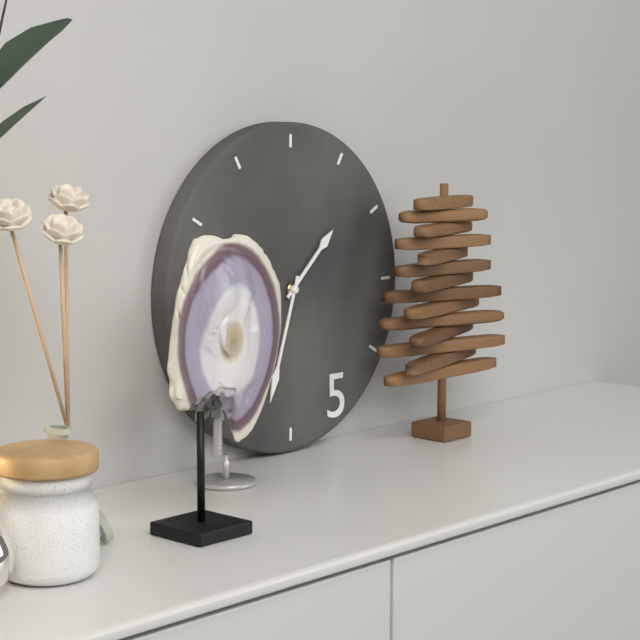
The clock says **1:33**
